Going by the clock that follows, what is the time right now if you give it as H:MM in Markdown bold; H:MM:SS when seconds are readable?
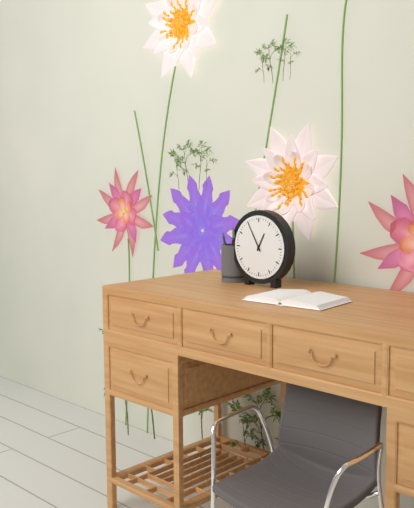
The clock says **12:55**
